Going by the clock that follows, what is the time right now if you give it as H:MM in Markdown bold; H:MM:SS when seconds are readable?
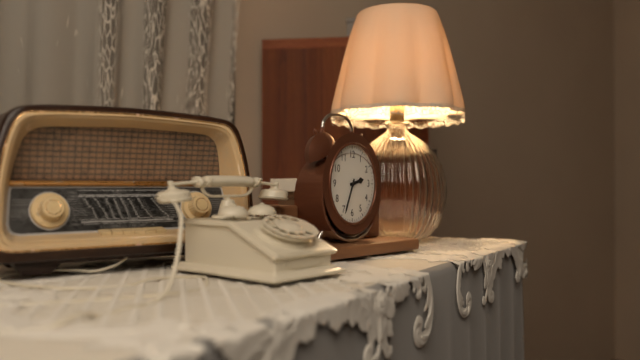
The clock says **2:34**
